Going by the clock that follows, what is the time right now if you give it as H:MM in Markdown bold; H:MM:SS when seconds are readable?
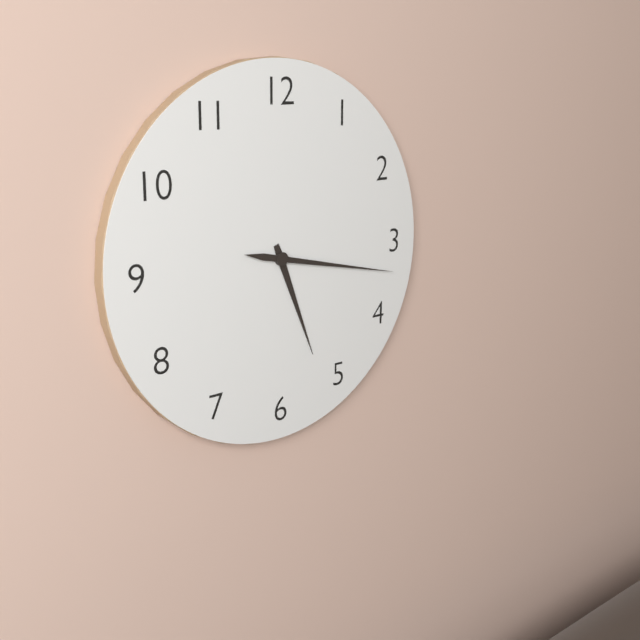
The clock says **5:17**
